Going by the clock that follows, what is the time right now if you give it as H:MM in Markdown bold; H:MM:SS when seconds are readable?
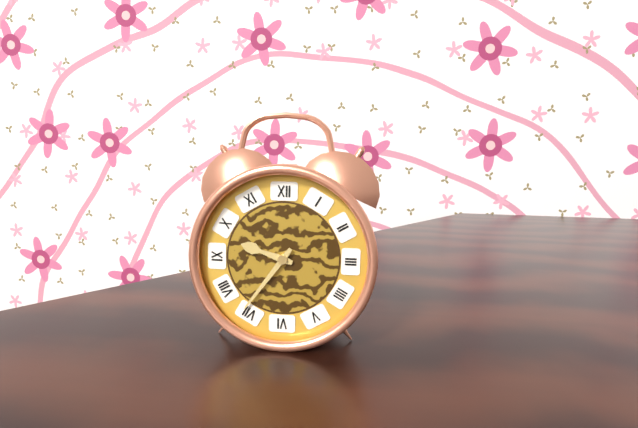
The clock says **9:36**
